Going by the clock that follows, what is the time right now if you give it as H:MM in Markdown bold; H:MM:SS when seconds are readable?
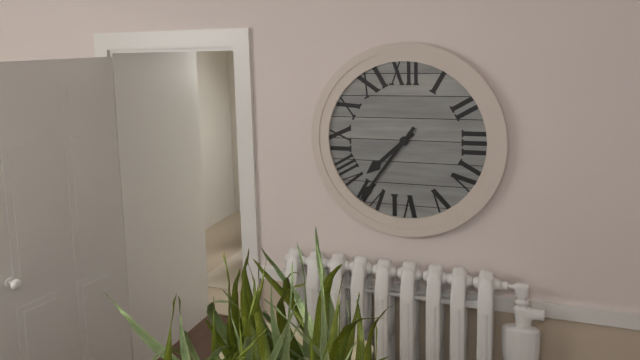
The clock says **7:36**
